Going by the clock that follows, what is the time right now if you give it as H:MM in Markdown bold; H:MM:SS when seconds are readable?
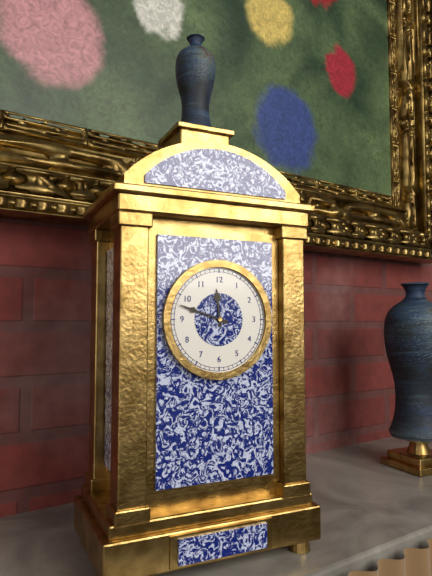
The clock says **11:48**
